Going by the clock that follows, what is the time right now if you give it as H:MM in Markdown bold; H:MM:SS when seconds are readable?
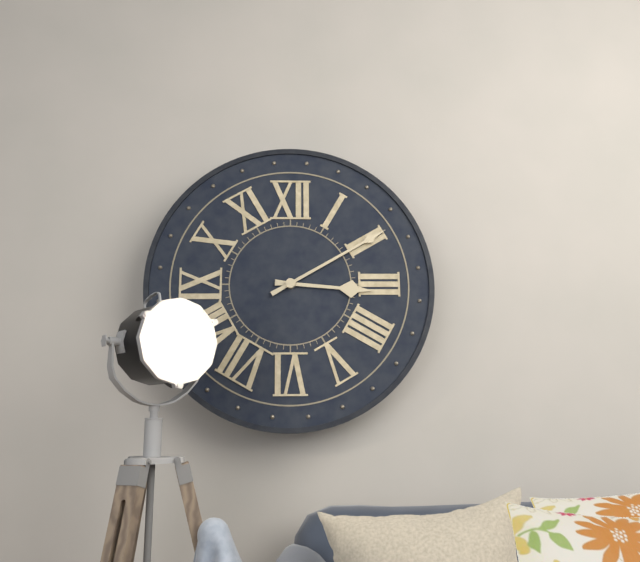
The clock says **3:10**
